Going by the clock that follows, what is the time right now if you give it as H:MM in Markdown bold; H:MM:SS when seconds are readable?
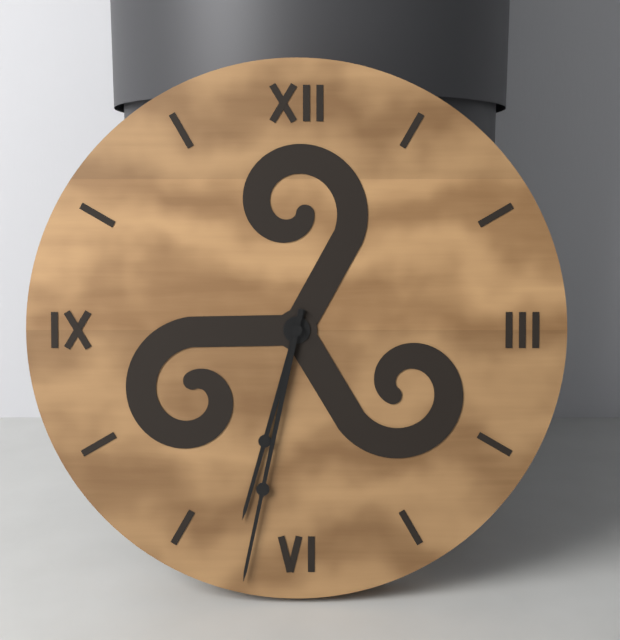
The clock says **6:32**
